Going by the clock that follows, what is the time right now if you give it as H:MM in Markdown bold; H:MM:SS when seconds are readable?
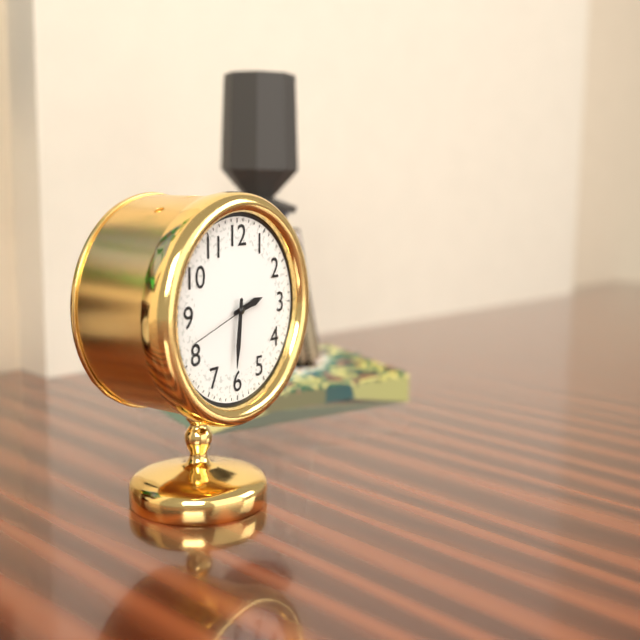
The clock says **2:31:42**
